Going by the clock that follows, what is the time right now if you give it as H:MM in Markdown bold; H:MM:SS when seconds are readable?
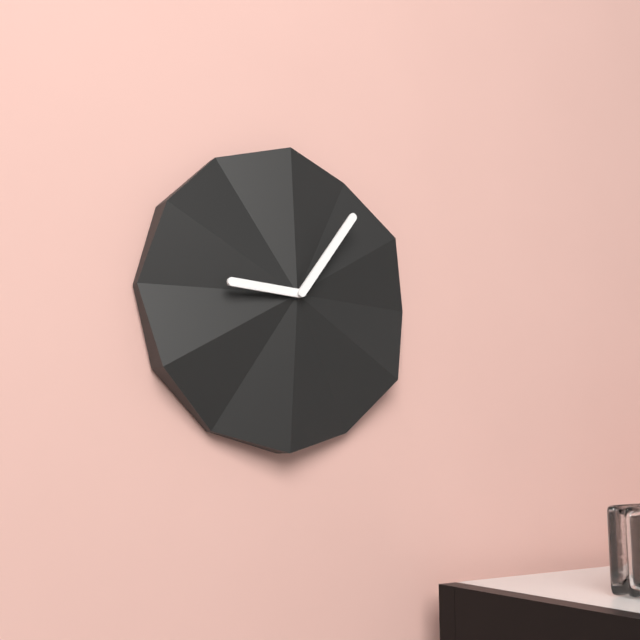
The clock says **9:06**
